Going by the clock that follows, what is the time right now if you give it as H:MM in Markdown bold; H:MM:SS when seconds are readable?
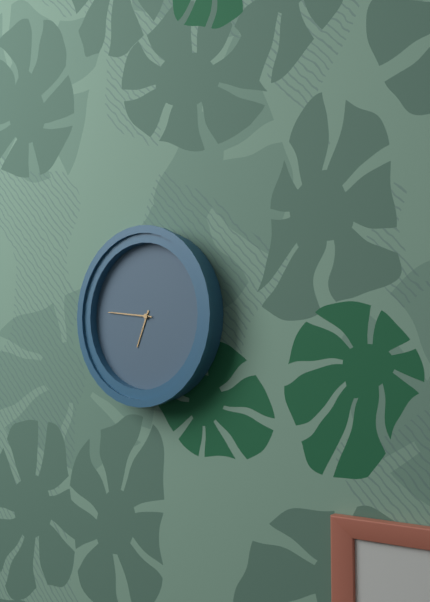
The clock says **6:46**
